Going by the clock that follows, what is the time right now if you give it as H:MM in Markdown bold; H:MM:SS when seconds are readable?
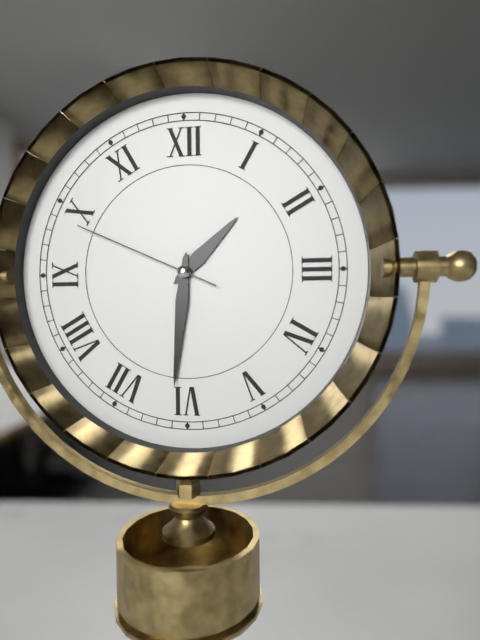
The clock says **1:31:49**
